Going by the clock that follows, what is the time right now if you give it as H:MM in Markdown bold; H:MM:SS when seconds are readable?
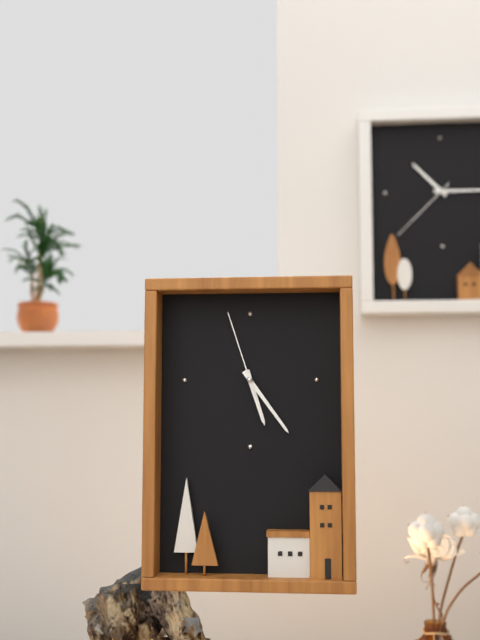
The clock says **5:24:57**
